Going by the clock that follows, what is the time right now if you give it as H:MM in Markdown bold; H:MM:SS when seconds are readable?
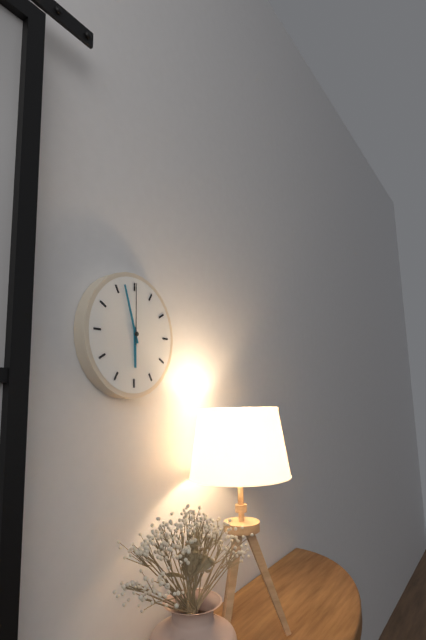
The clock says **5:57:00**
